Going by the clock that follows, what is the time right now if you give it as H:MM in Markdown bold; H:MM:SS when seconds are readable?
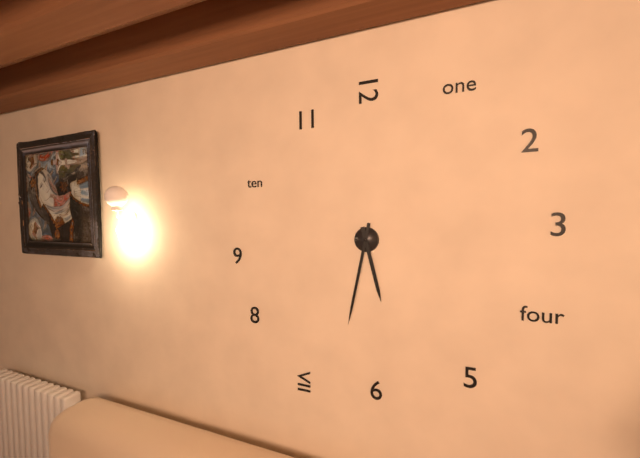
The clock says **5:32**
